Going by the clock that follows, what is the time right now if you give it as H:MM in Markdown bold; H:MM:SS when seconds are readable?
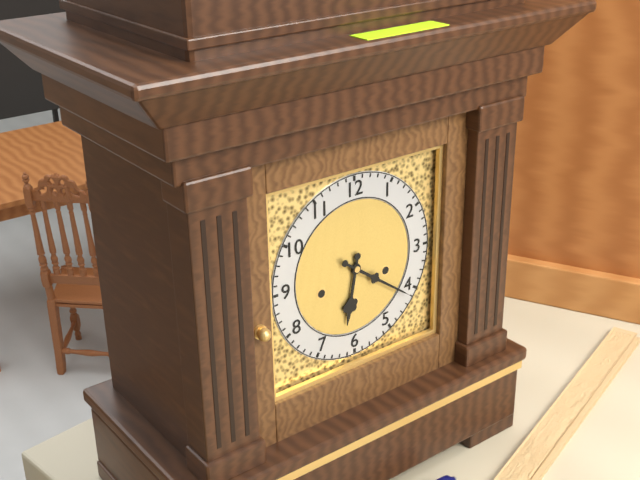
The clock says **6:21**
